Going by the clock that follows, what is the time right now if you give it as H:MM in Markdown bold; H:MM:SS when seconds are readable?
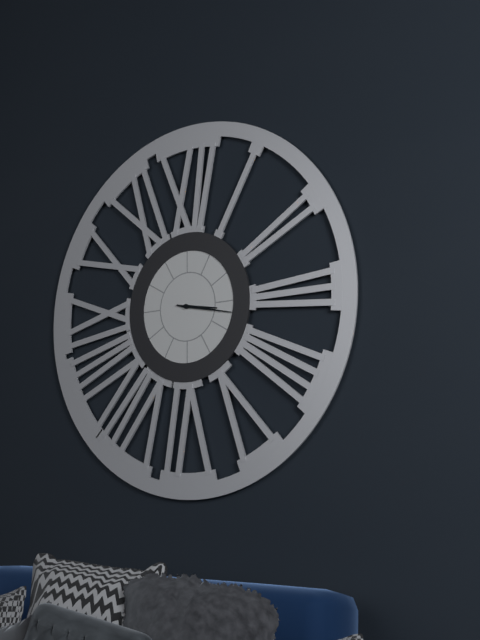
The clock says **3:17**
